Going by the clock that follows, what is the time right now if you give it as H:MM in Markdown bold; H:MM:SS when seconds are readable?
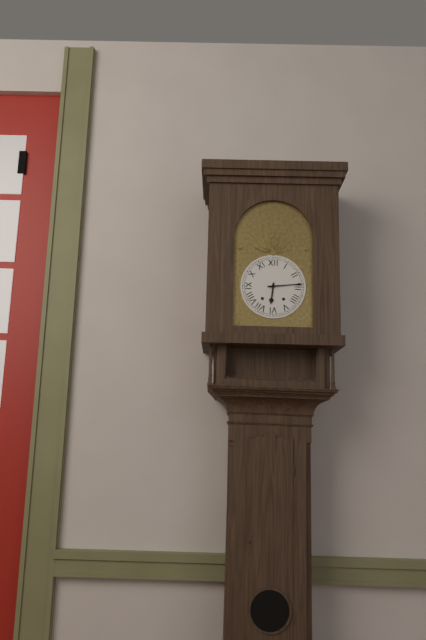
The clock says **6:14**
